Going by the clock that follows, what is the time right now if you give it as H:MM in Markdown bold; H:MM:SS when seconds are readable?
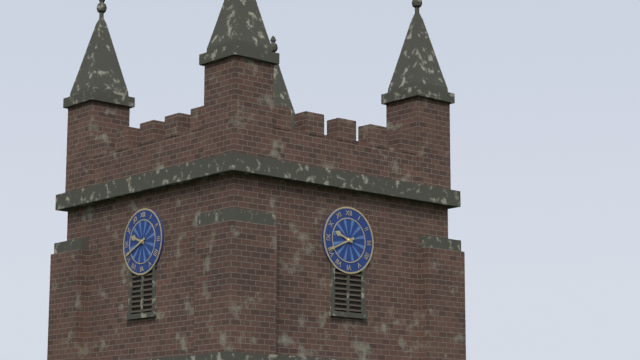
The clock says **9:41**
